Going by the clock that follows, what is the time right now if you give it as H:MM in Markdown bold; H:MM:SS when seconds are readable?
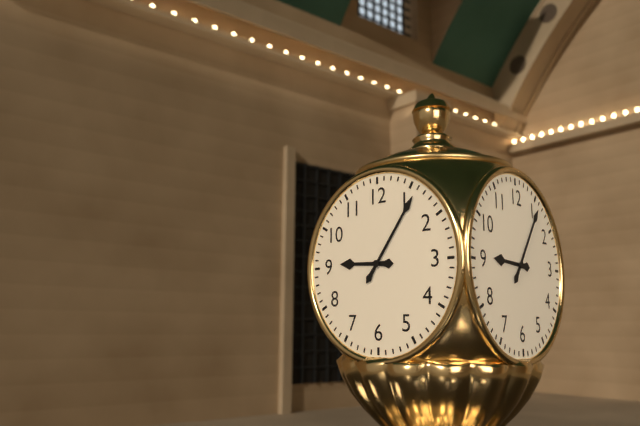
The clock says **9:06**
